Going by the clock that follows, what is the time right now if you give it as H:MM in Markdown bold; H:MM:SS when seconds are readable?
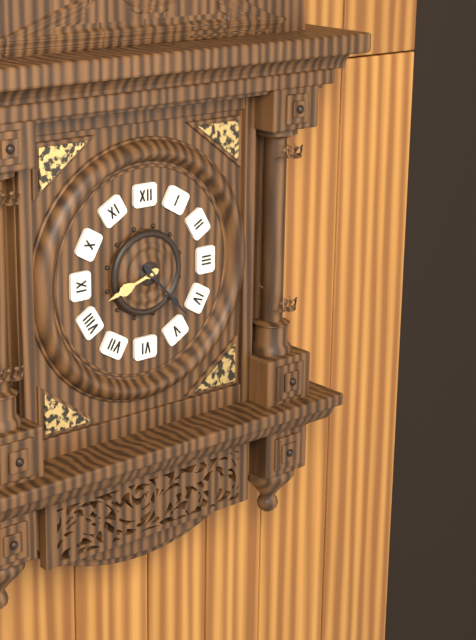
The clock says **8:23**
